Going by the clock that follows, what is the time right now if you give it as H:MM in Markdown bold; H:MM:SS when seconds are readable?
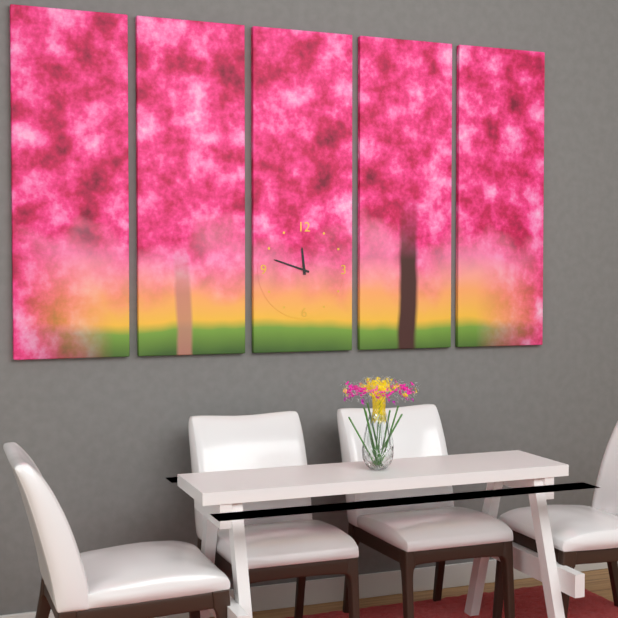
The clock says **11:48**
